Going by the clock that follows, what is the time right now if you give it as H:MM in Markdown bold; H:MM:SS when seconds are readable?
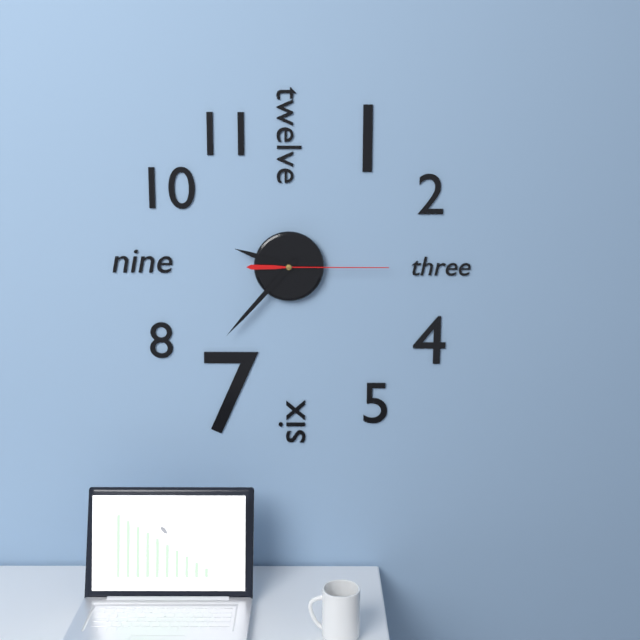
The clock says **9:37:15**
